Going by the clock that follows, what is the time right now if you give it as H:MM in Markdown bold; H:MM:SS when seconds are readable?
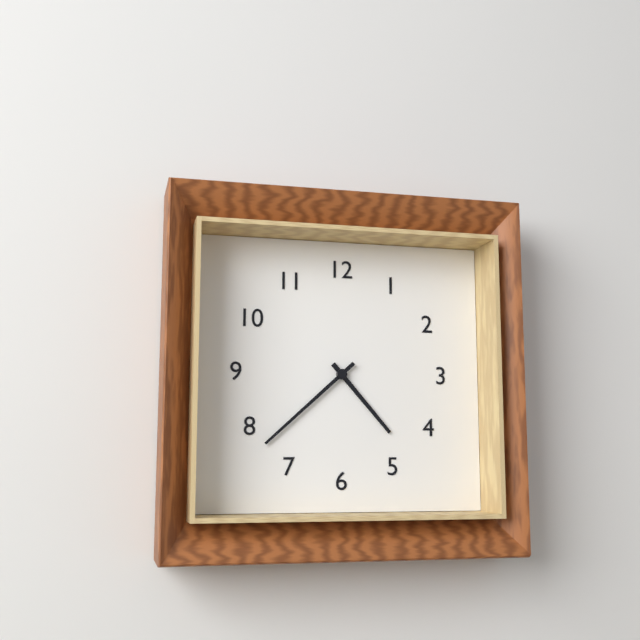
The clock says **4:38**
